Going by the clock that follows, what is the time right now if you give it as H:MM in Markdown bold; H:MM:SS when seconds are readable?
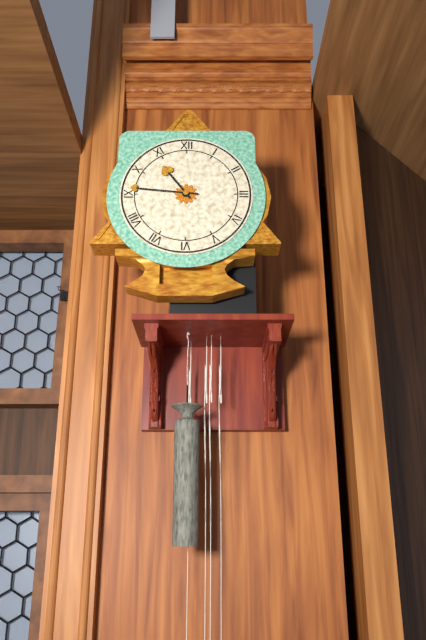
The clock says **10:46**
